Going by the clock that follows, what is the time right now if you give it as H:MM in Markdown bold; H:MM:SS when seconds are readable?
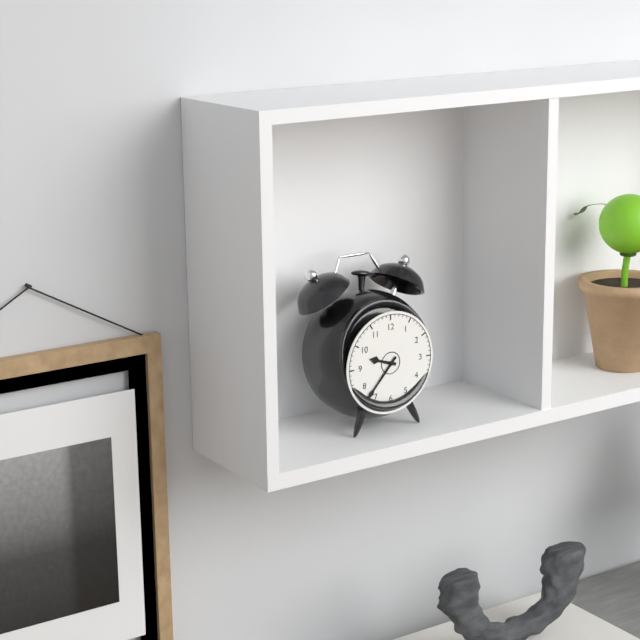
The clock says **9:37**
